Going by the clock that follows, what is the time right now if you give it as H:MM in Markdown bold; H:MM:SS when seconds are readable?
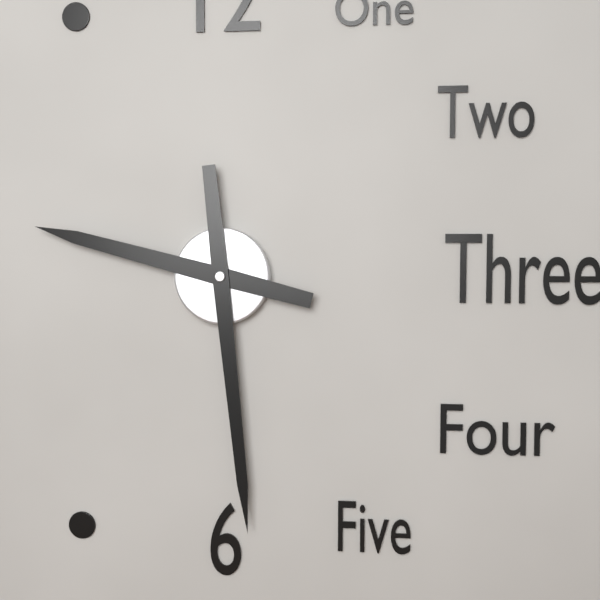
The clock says **9:29**
